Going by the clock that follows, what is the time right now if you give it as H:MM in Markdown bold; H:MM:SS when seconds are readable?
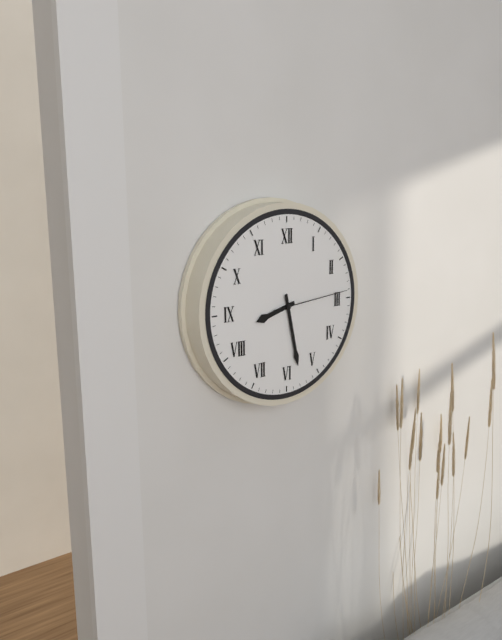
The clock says **8:28:14**
